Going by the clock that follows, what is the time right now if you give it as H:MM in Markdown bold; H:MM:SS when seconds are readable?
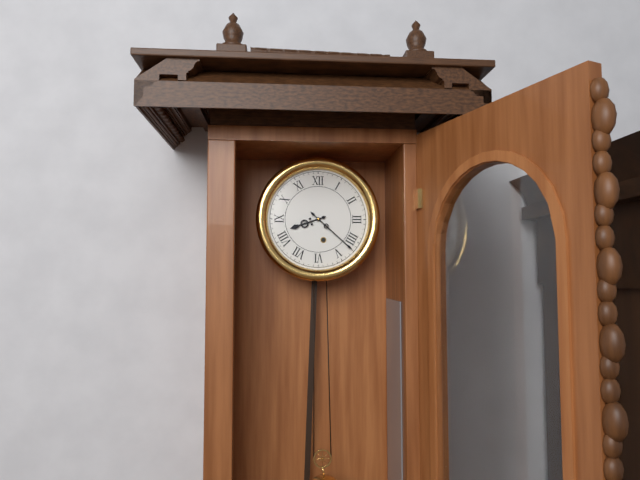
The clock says **8:22**
